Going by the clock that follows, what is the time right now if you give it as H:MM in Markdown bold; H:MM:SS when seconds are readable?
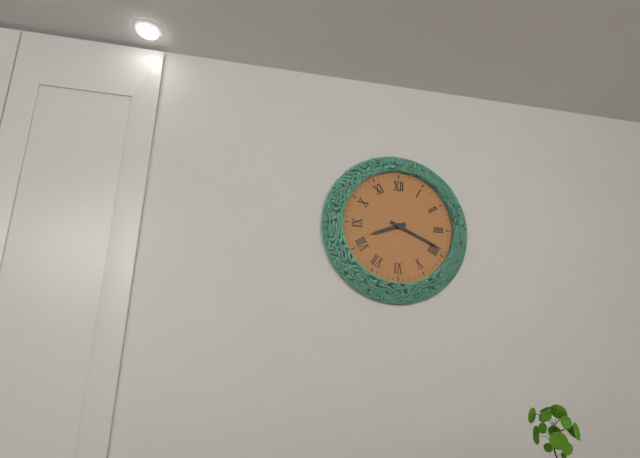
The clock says **8:19**
